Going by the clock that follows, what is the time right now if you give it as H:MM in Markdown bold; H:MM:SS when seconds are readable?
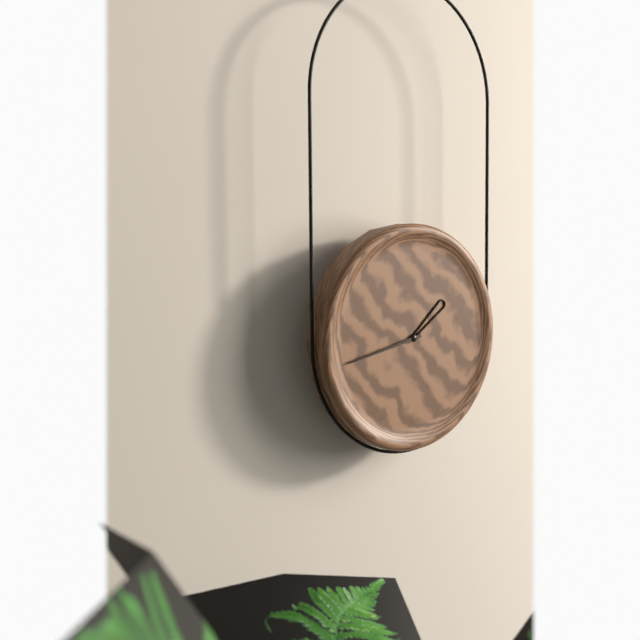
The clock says **1:43**
